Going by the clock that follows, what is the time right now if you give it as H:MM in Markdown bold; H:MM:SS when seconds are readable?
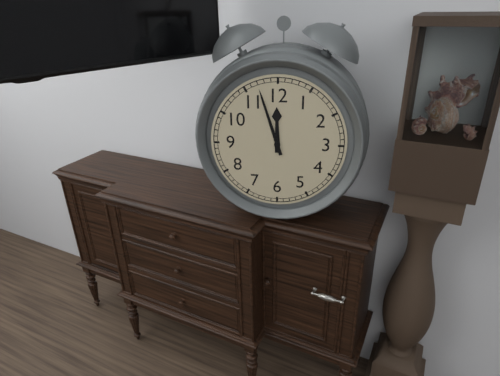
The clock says **11:57**
